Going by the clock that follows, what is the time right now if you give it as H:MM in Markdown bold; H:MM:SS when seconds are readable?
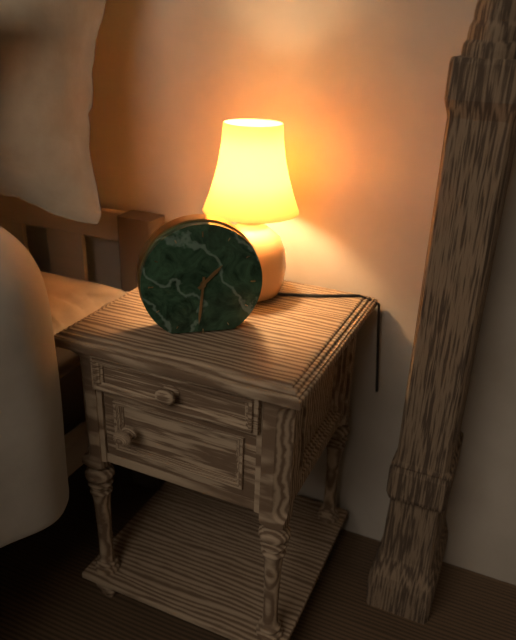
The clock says **1:31**
